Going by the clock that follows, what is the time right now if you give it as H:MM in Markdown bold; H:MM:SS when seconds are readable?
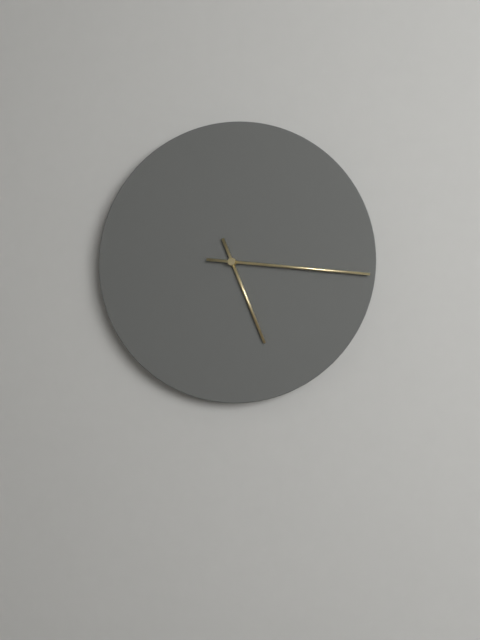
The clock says **5:16**
